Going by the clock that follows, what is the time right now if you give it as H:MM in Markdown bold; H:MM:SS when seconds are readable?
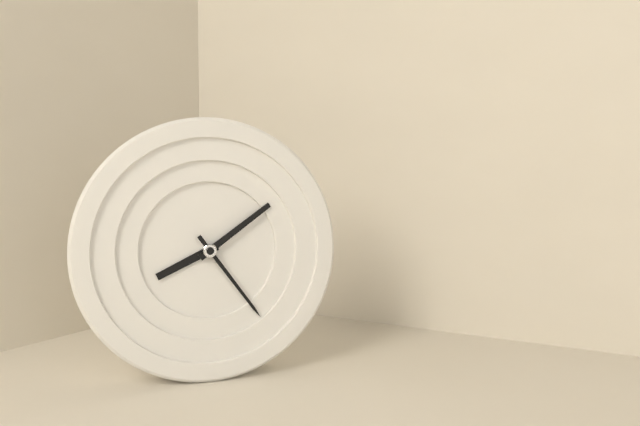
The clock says **8:09:24**
